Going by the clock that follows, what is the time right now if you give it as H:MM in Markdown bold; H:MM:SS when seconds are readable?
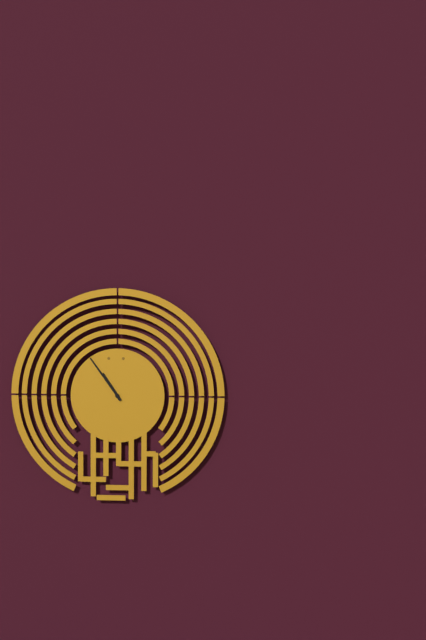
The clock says **10:54**
